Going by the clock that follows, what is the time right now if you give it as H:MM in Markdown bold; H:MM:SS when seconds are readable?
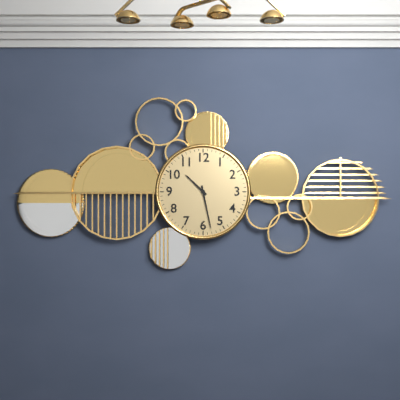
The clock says **10:28**
